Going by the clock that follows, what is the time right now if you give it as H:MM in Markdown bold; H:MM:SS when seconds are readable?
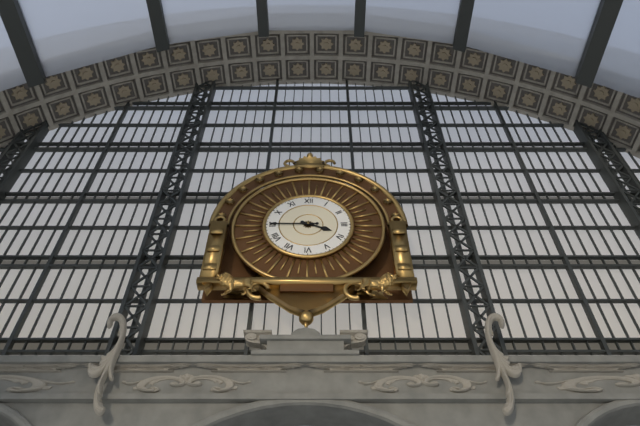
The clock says **3:45**
